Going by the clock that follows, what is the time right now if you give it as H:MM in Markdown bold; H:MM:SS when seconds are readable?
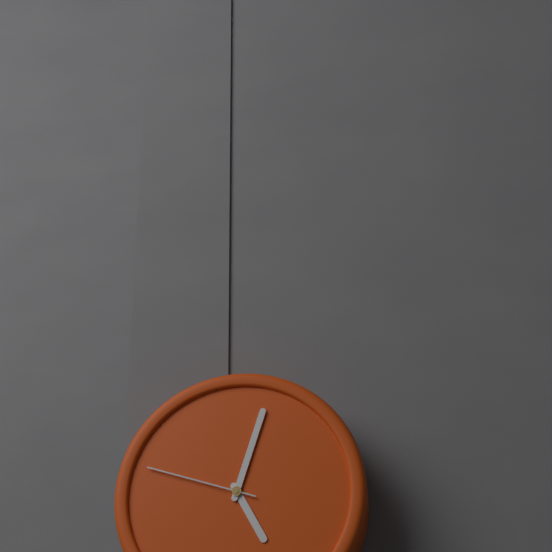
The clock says **5:03:48**
